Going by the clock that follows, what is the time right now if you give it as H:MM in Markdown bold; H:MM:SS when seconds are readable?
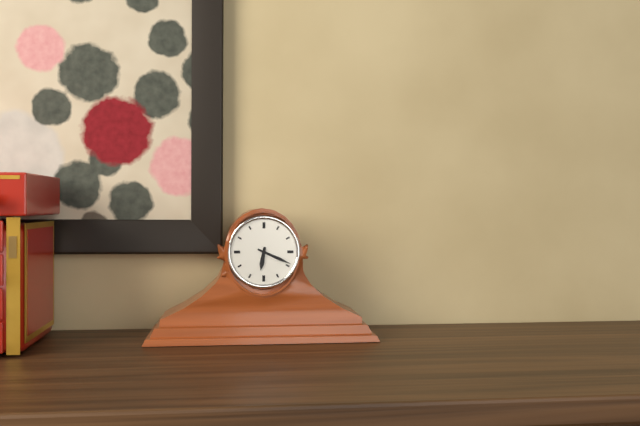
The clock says **6:19**
